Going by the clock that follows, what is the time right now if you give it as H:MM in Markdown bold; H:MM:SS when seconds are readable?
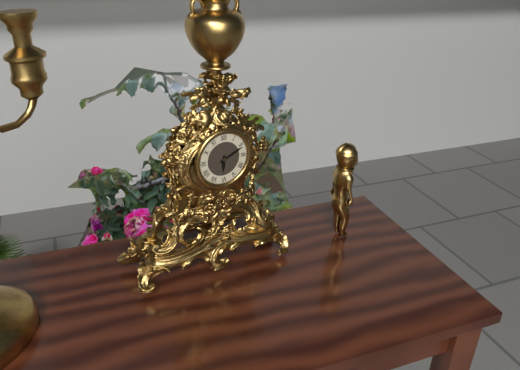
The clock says **6:11**
